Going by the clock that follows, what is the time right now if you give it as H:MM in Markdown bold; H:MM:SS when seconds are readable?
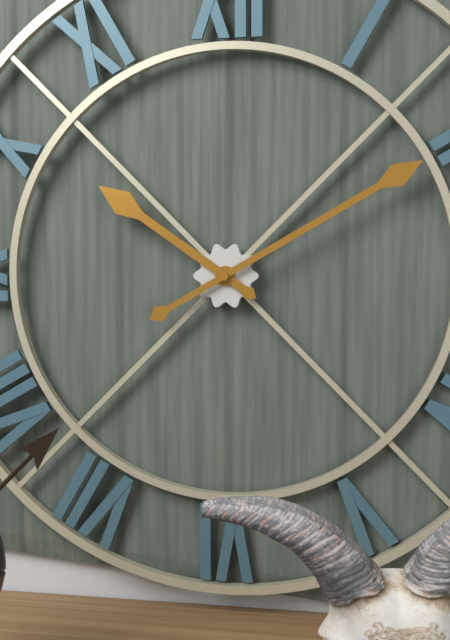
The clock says **10:10**
